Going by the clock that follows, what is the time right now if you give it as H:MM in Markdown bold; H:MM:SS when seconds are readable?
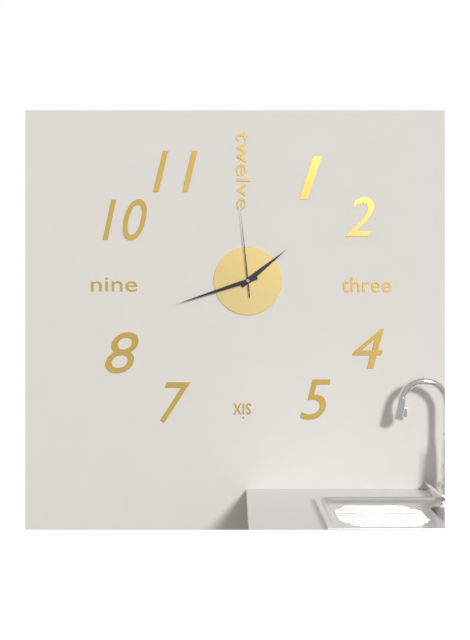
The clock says **1:42:59**
